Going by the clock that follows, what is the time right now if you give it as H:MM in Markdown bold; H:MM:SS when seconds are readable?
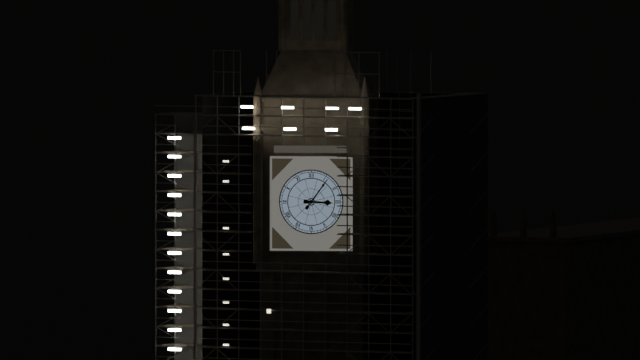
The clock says **3:06**
